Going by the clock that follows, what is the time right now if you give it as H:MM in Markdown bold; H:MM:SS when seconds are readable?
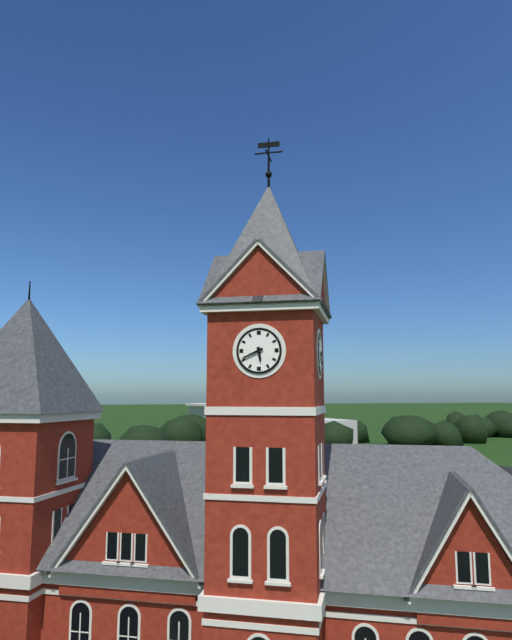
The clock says **5:41**
